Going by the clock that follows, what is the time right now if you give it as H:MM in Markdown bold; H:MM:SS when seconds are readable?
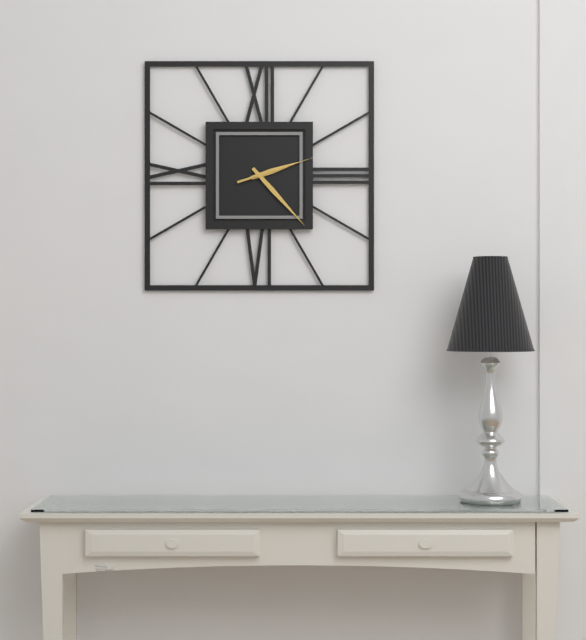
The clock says **2:23:12**
